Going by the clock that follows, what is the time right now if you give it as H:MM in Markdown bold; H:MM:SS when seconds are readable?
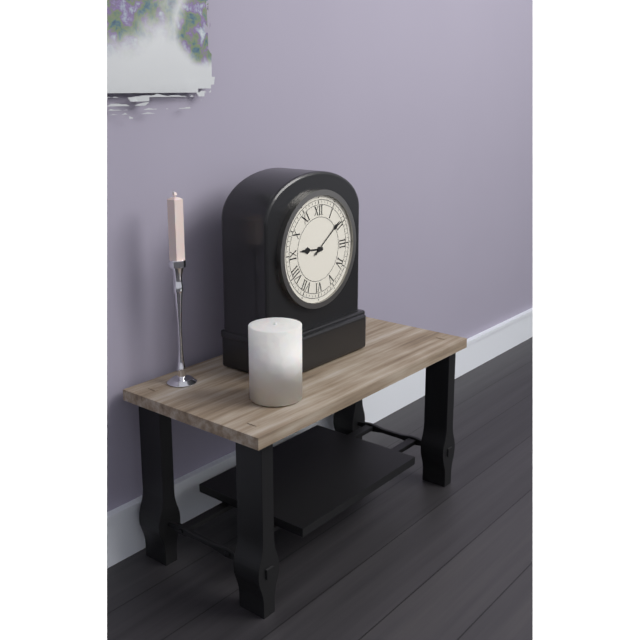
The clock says **9:09**
